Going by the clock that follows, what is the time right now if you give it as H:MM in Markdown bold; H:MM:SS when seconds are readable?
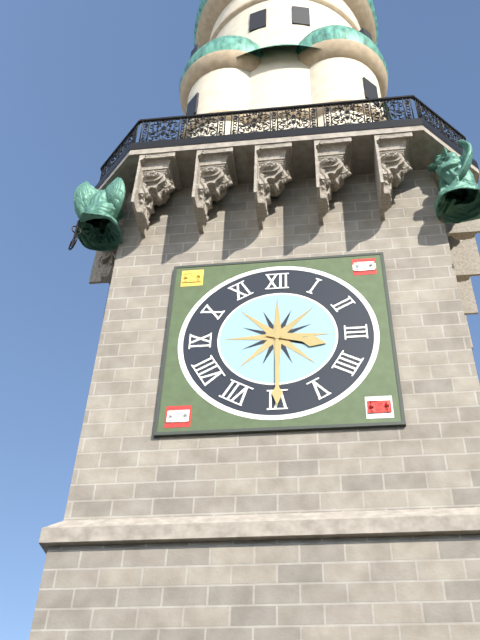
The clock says **3:30**
